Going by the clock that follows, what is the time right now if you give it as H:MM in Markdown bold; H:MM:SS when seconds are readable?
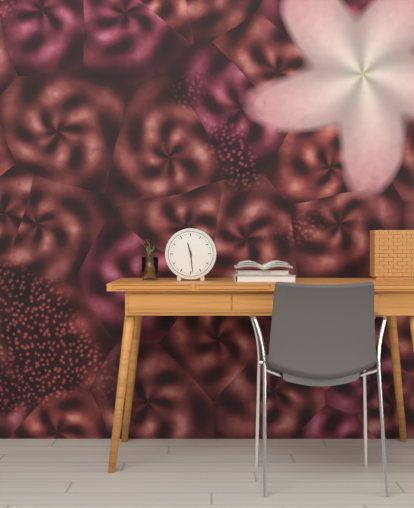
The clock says **11:29**
